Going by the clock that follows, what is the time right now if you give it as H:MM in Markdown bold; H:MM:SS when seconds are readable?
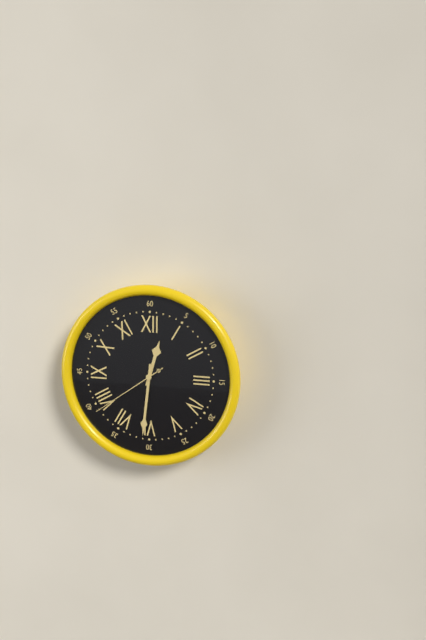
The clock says **12:31:39**
